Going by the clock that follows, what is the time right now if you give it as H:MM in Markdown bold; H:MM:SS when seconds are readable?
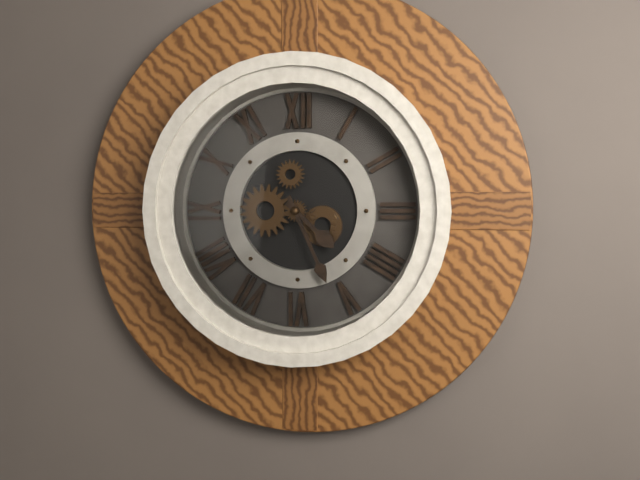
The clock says **4:26**
